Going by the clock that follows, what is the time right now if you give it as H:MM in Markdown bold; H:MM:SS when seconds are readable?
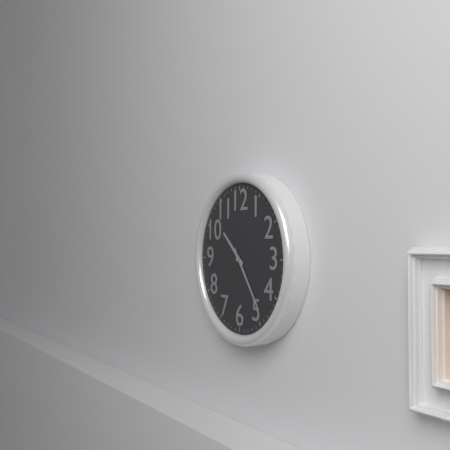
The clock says **10:24**
